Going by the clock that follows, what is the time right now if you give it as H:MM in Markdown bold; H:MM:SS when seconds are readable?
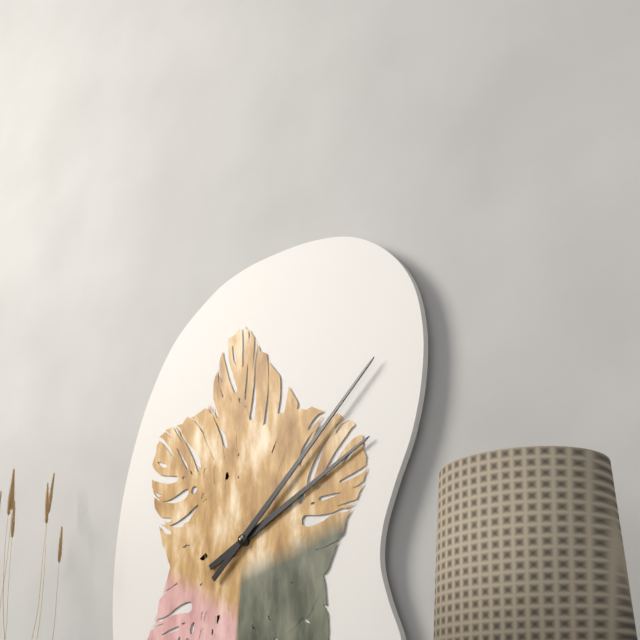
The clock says **2:08**
